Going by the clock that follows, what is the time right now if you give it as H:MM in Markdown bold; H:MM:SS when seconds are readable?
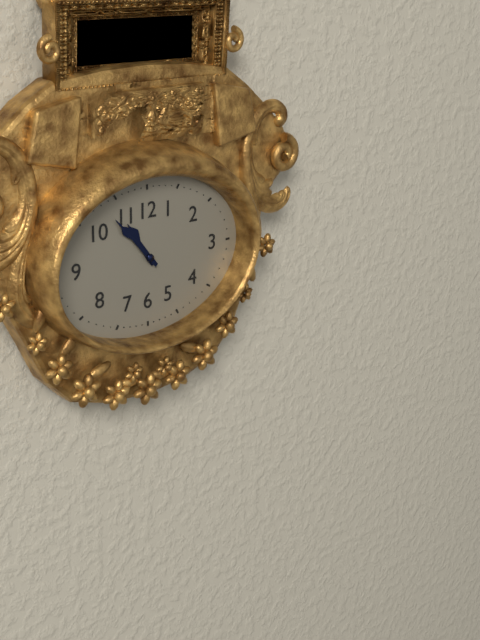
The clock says **10:53**
